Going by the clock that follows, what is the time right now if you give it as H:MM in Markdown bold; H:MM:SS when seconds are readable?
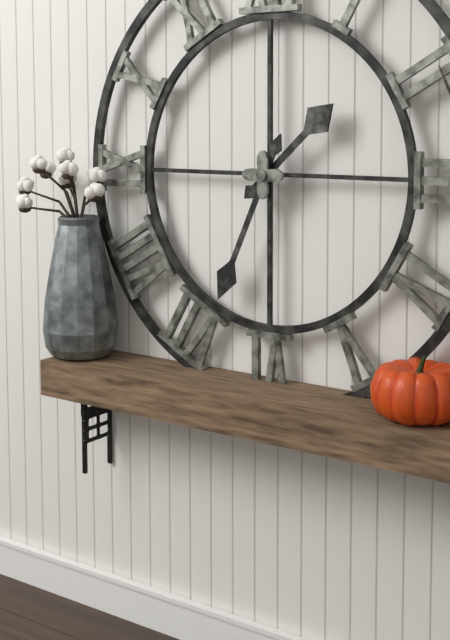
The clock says **1:34**
